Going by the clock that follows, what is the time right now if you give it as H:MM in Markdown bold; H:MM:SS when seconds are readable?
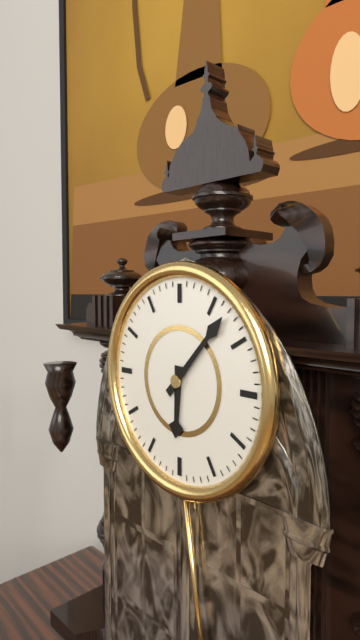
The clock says **6:07**
